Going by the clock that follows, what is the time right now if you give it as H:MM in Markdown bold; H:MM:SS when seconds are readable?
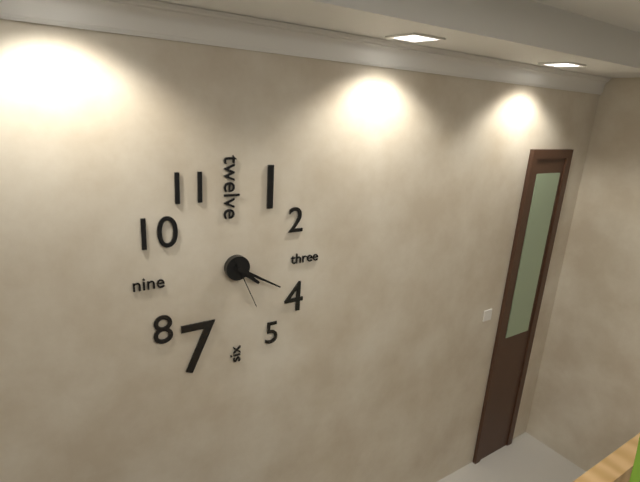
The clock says **4:20:26**
